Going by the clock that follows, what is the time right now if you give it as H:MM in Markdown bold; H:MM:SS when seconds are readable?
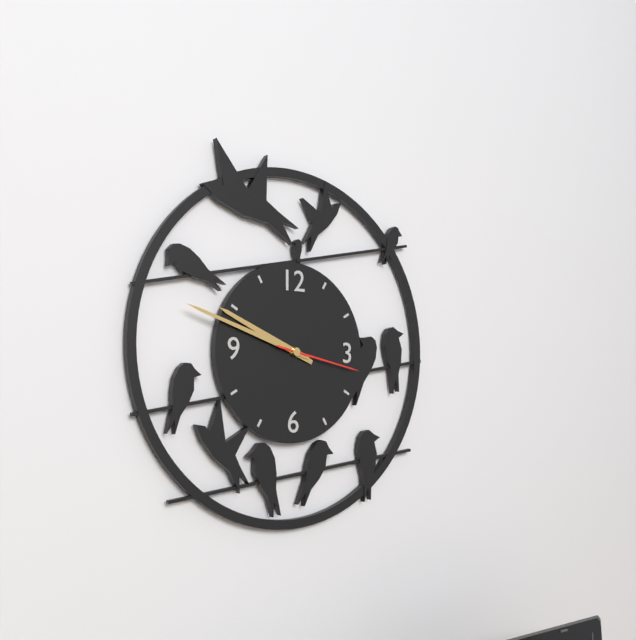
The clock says **9:48:17**
